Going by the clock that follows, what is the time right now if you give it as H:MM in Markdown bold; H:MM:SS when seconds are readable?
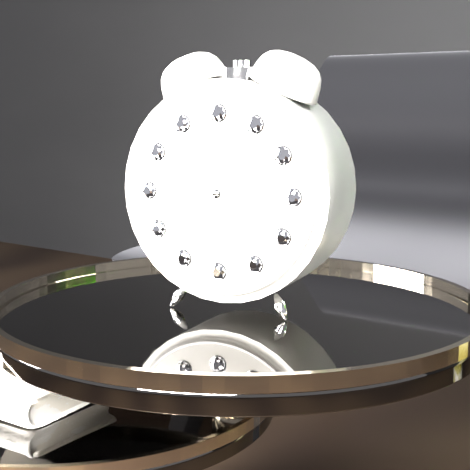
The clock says **7:33:39**
